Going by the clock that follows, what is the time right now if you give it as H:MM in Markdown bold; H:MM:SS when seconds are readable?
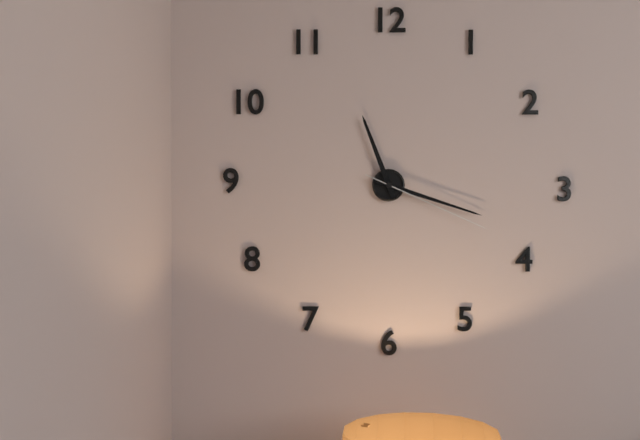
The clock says **11:18:19**
